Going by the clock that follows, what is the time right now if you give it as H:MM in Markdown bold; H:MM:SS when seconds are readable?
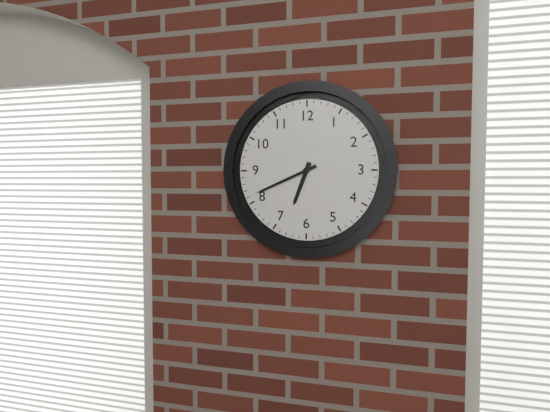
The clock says **6:41**
